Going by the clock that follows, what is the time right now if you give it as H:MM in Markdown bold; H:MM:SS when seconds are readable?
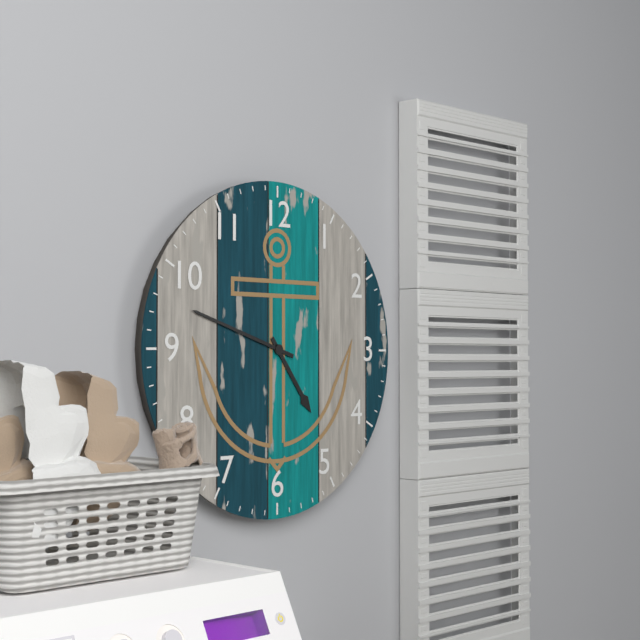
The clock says **4:48**
